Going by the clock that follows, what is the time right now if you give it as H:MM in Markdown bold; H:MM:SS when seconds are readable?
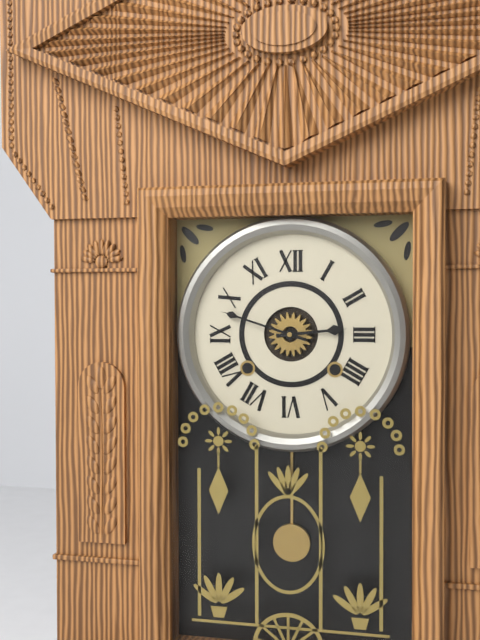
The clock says **2:48**
